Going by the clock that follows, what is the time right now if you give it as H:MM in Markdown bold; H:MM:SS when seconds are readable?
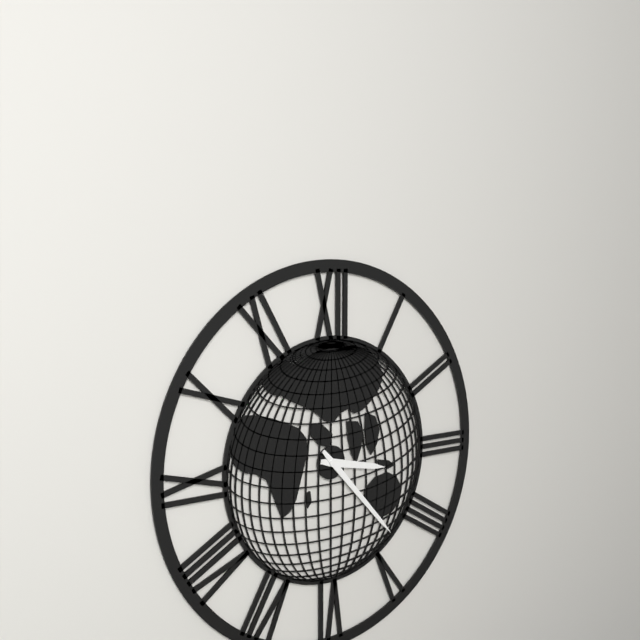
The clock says **3:23**
